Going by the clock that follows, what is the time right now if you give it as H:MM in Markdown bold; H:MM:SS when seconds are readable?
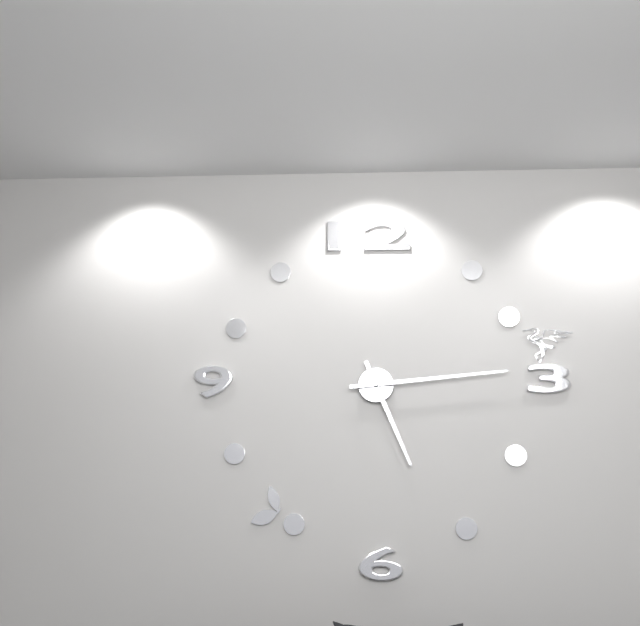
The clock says **5:14**
